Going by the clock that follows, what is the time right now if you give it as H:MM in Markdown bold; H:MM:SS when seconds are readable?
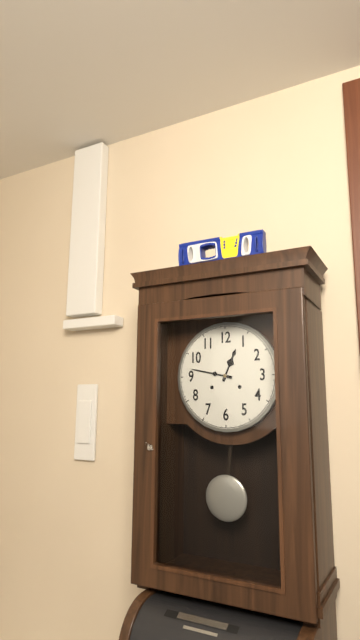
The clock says **12:47**
